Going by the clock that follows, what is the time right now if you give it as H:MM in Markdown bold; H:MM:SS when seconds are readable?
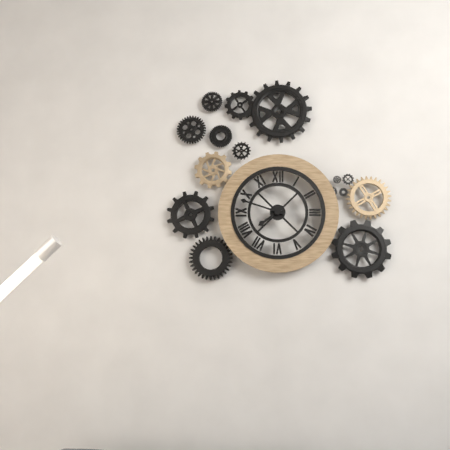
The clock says **7:48**
